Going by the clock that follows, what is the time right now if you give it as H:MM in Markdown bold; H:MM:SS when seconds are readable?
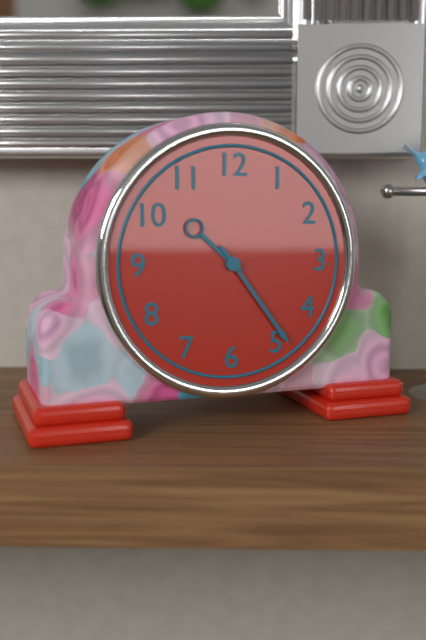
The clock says **10:24**
